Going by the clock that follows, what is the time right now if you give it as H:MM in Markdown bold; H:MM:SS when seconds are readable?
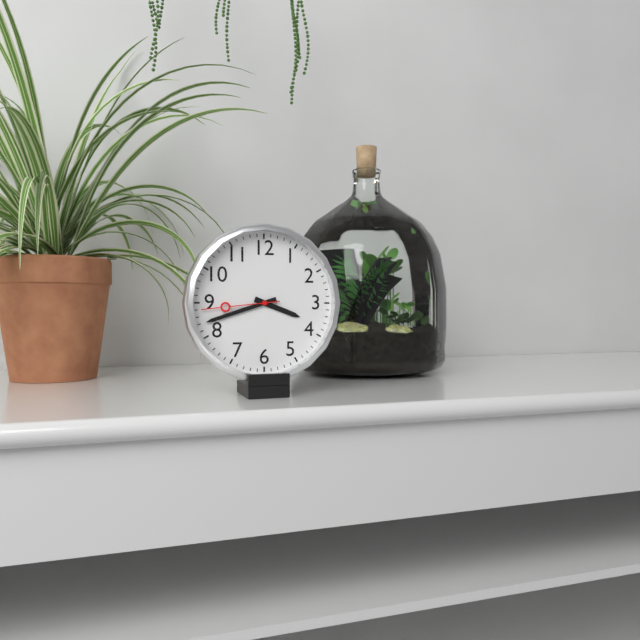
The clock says **3:42:44**
